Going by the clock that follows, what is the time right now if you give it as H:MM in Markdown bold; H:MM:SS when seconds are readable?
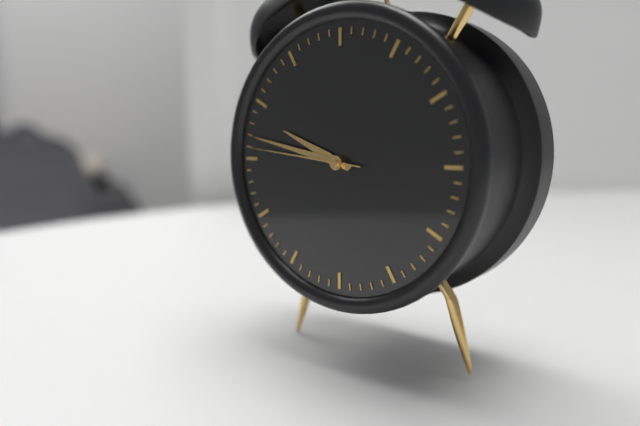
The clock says **9:47:46**
